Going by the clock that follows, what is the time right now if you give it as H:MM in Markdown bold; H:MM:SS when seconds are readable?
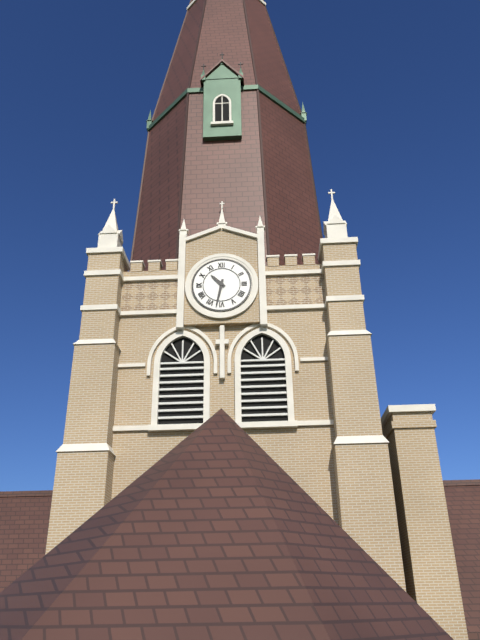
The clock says **10:32**
